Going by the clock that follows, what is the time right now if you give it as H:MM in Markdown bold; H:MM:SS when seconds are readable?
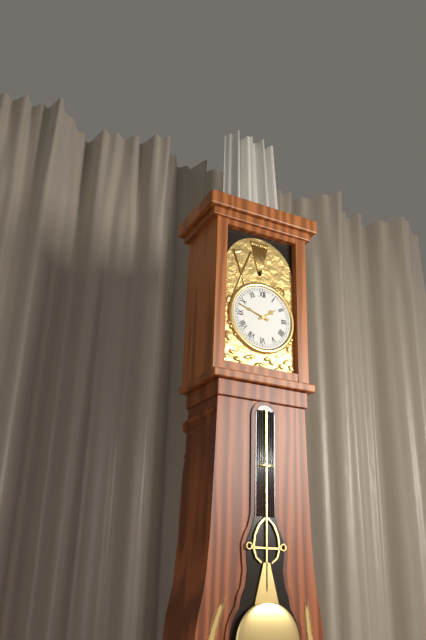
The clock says **1:48**
